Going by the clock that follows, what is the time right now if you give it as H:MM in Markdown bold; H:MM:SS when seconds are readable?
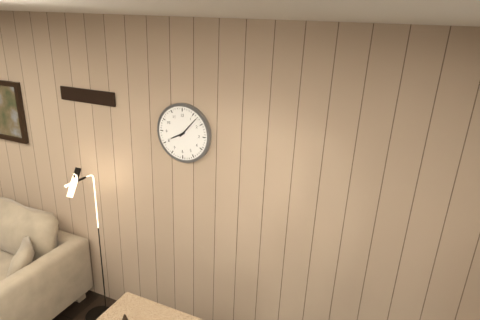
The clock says **8:07**
